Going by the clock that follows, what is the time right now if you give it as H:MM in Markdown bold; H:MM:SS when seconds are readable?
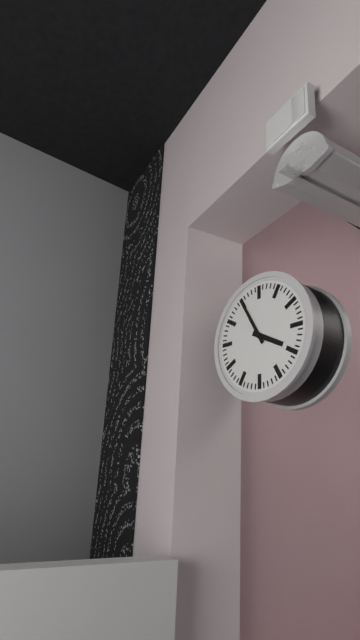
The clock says **3:55**
